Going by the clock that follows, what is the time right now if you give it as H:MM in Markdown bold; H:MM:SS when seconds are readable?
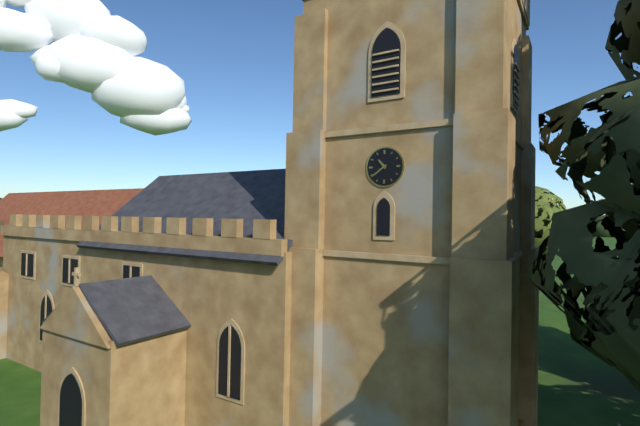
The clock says **10:39**
